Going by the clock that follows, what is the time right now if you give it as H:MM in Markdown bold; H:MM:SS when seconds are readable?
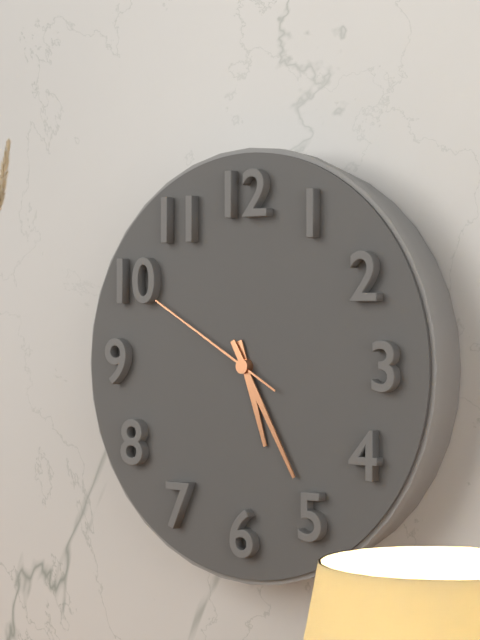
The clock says **5:25:50**
